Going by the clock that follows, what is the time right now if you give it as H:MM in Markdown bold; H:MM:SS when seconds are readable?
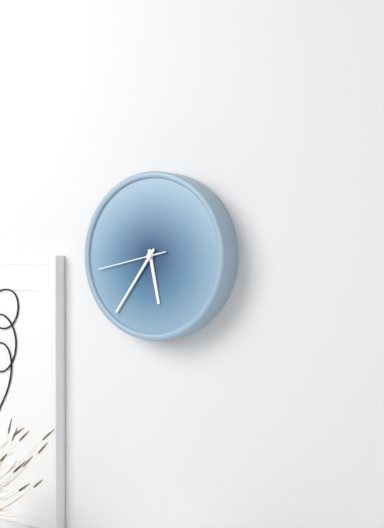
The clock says **5:36:43**
